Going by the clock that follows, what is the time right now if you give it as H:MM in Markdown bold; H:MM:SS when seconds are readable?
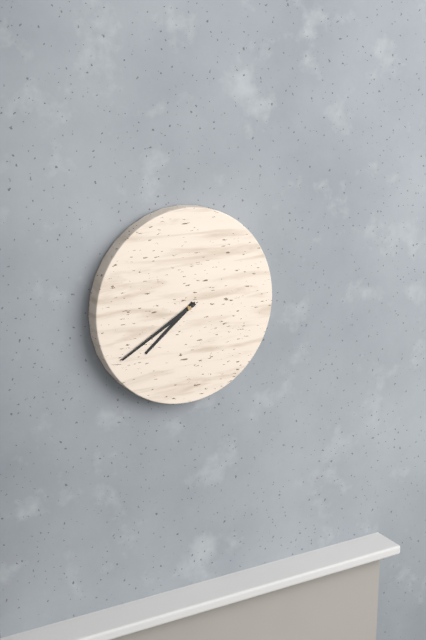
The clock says **7:40**
